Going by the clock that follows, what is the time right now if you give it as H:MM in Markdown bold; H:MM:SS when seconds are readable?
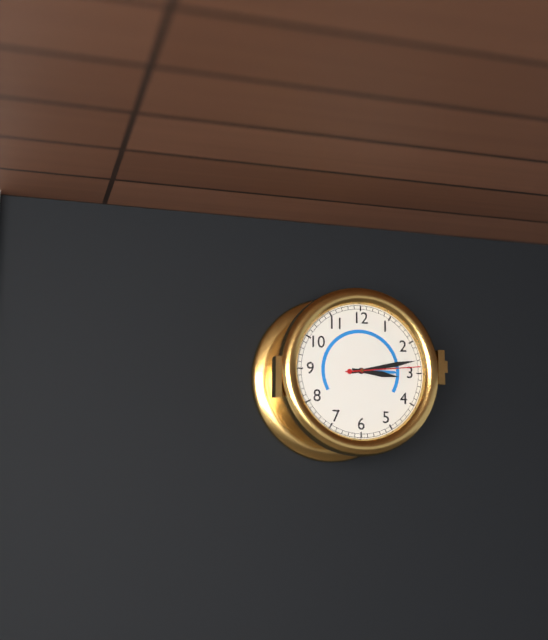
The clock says **3:13:14**
